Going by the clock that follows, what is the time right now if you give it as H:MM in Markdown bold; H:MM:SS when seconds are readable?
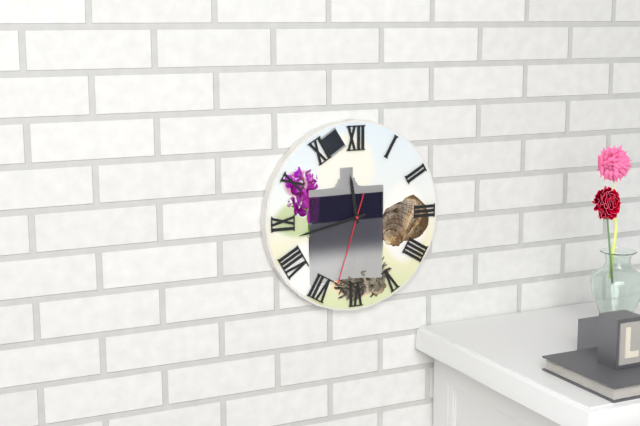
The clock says **11:43:33**
